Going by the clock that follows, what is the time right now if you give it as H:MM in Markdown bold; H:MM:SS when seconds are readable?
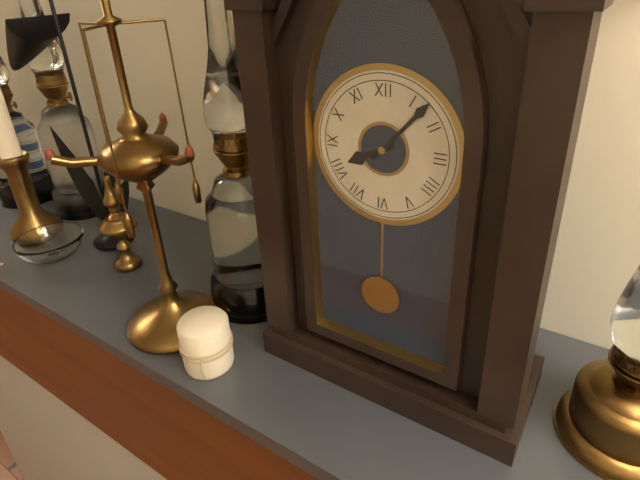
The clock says **8:07**
